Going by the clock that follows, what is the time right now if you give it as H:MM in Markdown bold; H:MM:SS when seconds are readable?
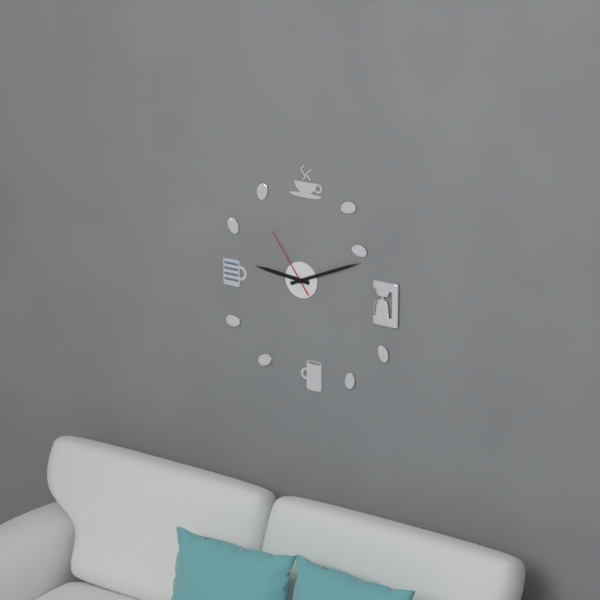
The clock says **9:11:54**
